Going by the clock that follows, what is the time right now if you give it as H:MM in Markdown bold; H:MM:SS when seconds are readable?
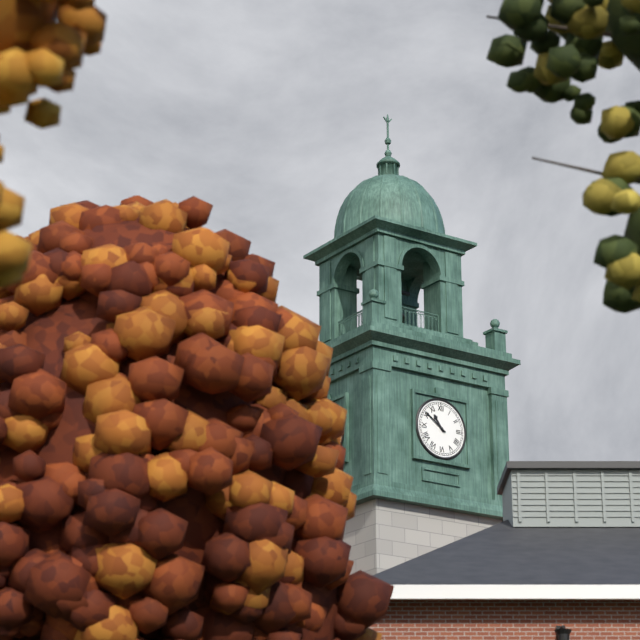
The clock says **10:51**
